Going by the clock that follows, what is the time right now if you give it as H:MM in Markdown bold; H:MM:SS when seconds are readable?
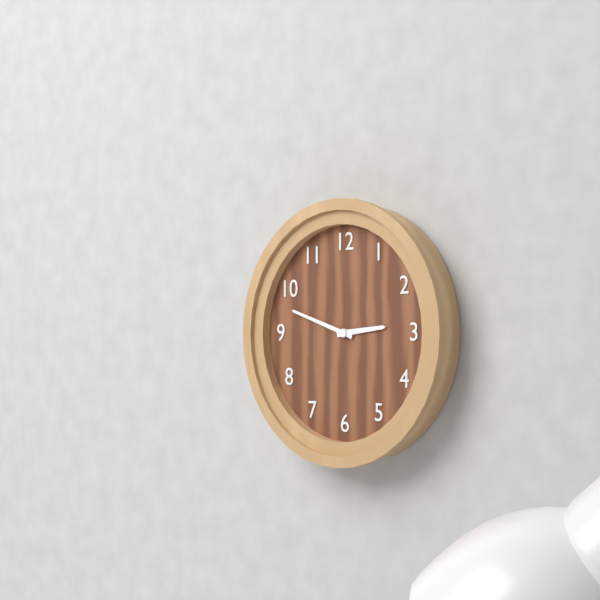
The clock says **2:48**
